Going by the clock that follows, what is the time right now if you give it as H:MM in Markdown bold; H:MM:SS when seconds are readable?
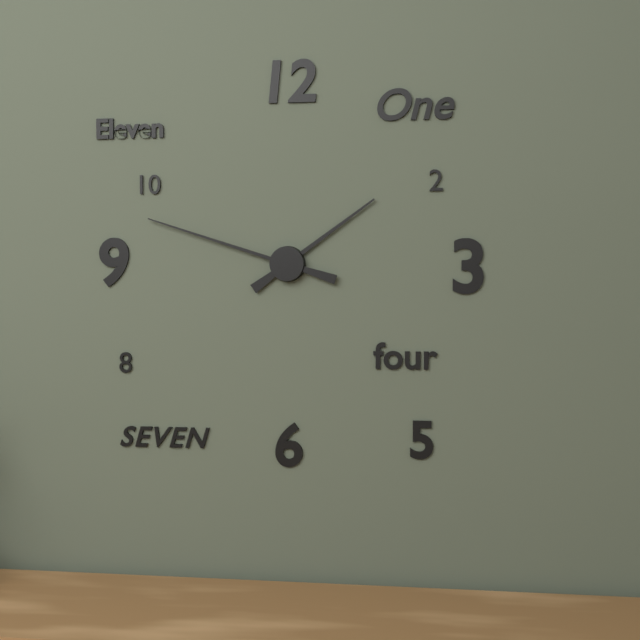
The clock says **1:48**
